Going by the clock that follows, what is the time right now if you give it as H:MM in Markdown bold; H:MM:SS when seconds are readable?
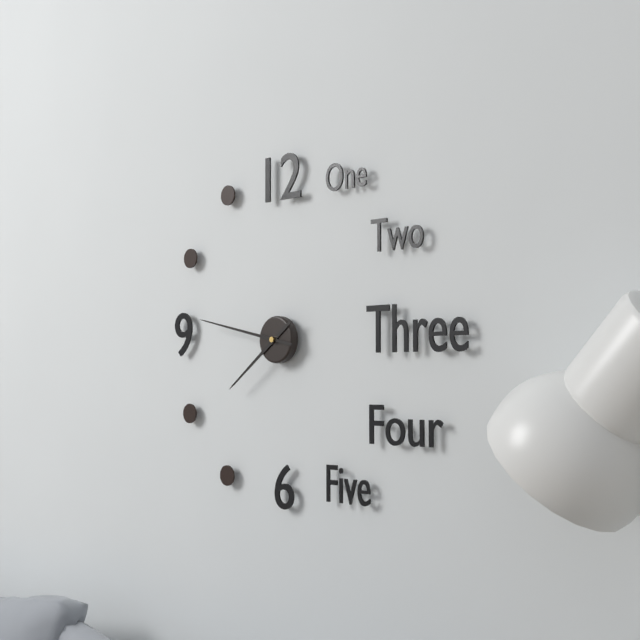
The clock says **7:47**
